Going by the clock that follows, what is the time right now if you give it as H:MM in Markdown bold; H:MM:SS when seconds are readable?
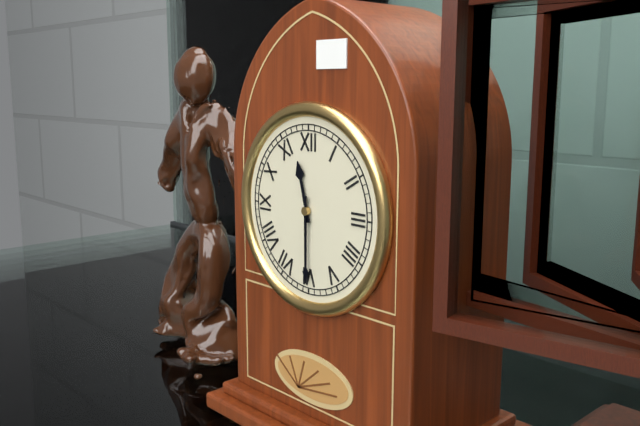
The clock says **11:30**
